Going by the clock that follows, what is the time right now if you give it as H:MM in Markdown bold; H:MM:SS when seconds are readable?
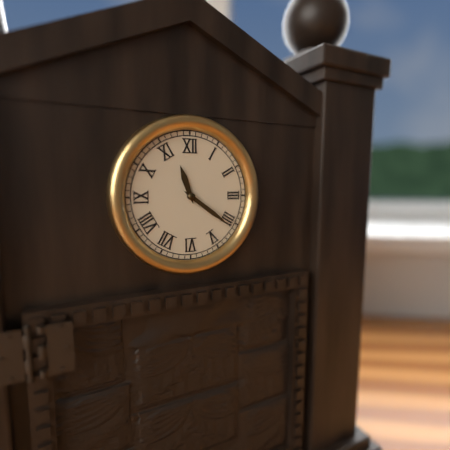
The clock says **11:21**
